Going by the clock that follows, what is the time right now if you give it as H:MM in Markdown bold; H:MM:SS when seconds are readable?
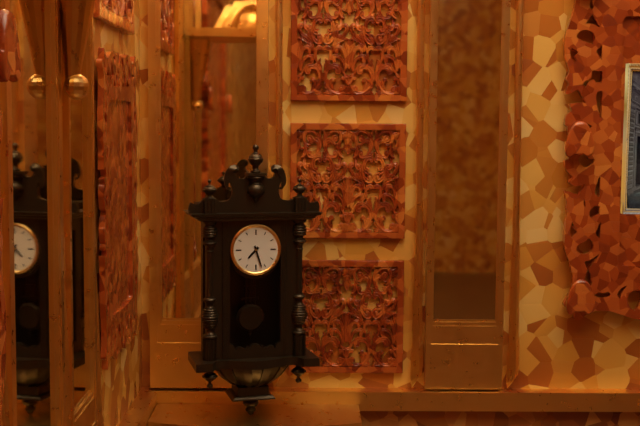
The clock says **7:27**
